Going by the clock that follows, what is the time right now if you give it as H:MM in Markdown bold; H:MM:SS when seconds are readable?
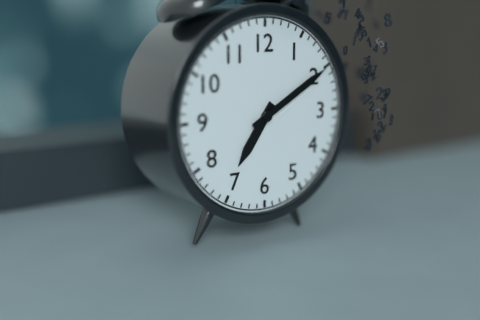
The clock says **7:10**
